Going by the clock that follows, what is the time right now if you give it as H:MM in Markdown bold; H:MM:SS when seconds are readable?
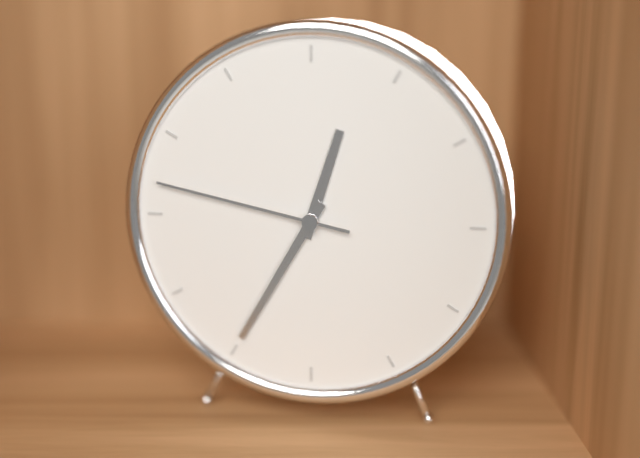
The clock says **12:35:47**
